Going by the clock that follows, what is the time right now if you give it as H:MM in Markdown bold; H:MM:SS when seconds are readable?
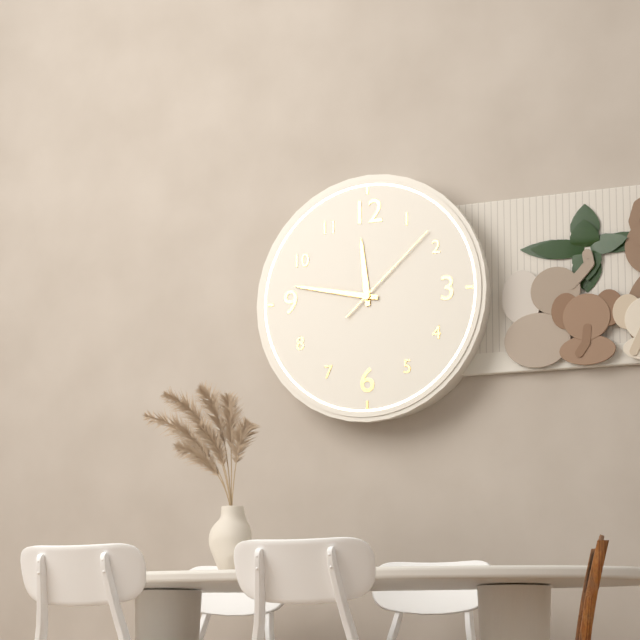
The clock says **11:47:08**
